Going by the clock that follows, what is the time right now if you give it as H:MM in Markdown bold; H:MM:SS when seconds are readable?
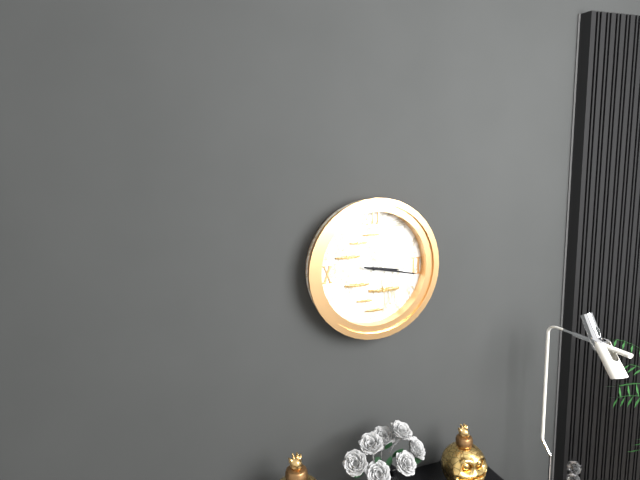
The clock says **3:17**
